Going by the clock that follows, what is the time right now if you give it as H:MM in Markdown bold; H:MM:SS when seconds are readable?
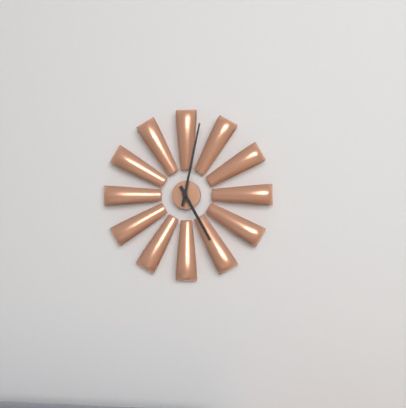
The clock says **5:02**
